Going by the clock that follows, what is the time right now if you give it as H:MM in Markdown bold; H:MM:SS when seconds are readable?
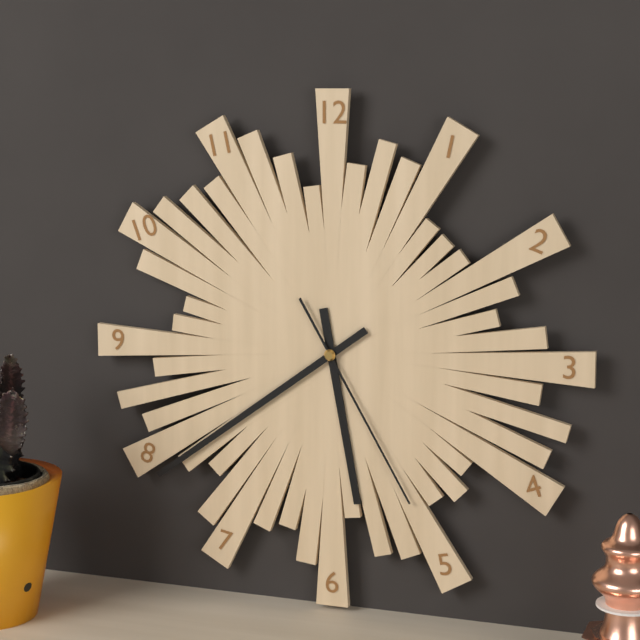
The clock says **5:39:25**
